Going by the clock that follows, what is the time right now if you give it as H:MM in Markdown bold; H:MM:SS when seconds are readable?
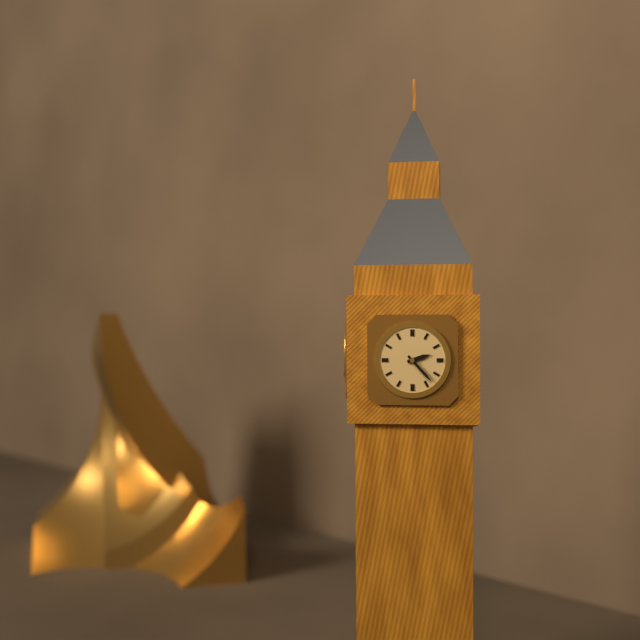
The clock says **2:23**
